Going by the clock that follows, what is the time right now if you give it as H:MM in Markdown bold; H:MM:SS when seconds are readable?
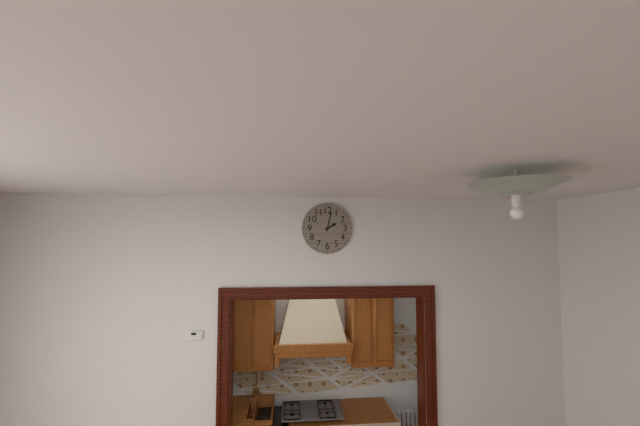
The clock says **2:02**
